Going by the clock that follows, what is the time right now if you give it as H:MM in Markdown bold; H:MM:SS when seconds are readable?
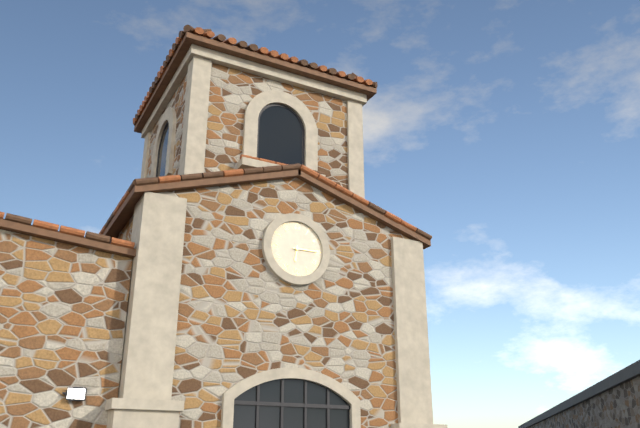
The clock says **6:15**
